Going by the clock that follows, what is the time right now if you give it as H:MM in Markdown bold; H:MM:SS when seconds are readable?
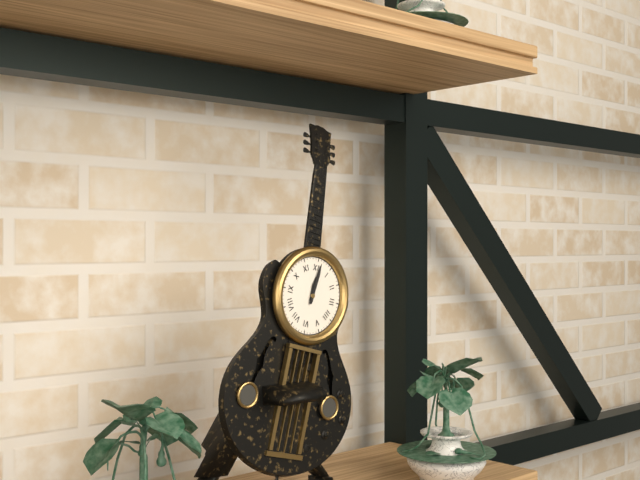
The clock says **12:01**
